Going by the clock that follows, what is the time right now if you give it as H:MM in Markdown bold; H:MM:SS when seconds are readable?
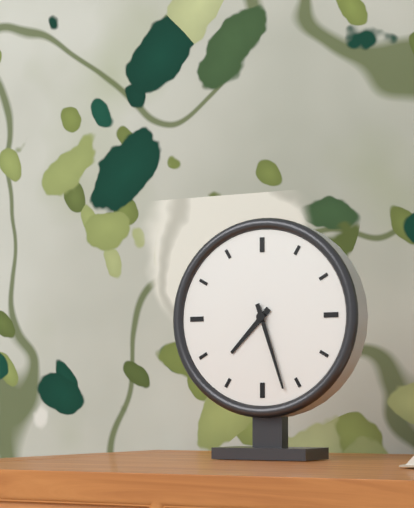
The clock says **7:27**
